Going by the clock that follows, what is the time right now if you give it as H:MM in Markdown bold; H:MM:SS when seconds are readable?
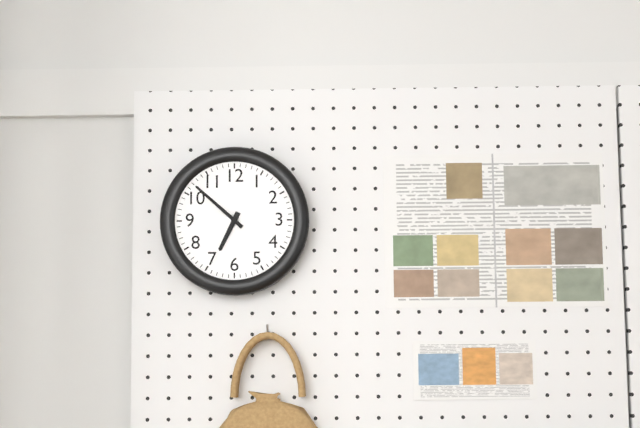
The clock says **6:52**
